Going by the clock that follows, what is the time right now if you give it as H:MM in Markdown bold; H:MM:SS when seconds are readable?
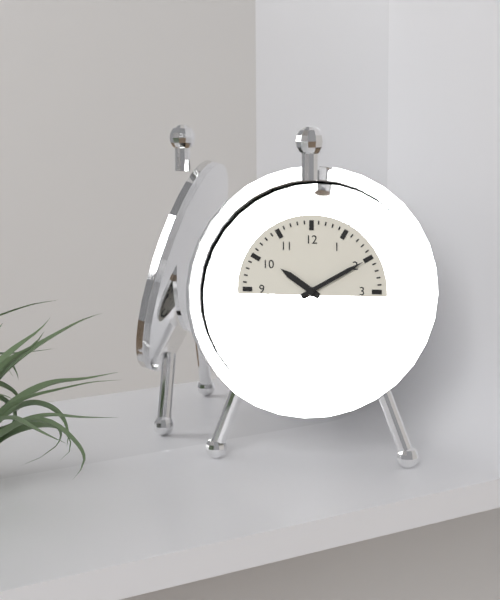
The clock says **10:10**
